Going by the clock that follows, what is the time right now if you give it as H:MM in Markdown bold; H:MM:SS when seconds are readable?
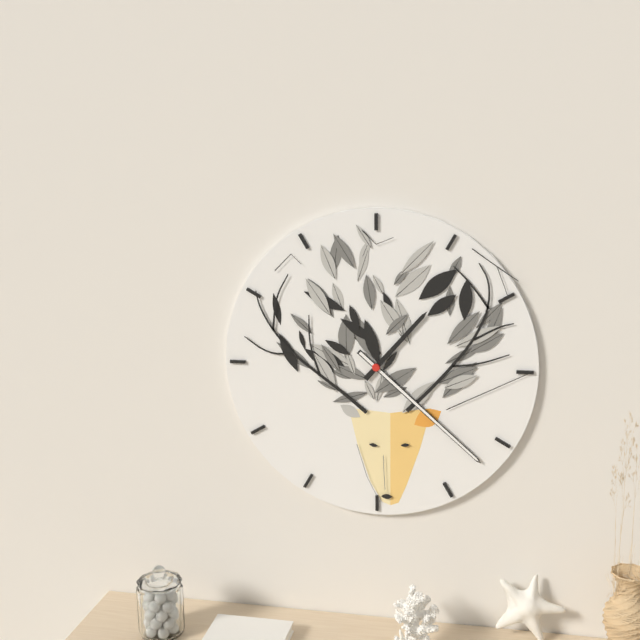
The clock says **1:22**
